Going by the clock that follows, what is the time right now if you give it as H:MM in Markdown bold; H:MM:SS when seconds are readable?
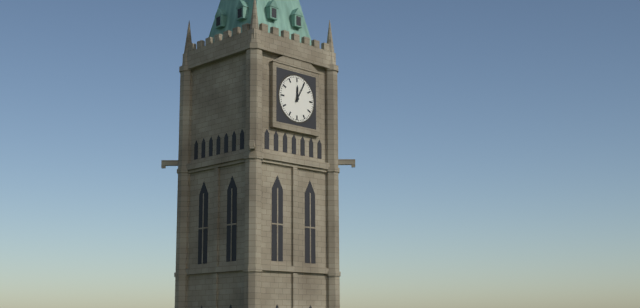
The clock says **12:05**
